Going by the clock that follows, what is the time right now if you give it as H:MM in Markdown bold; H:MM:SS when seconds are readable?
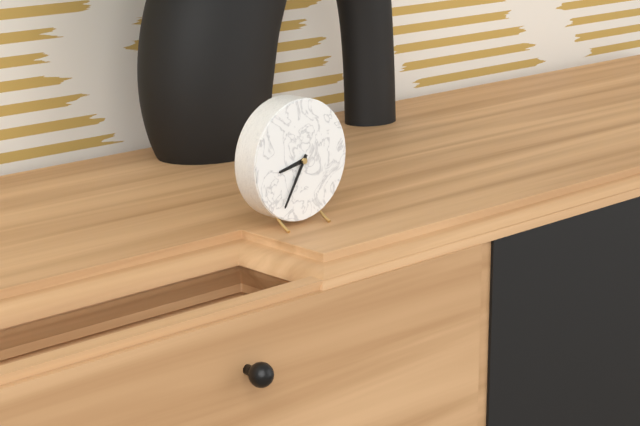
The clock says **8:35**
